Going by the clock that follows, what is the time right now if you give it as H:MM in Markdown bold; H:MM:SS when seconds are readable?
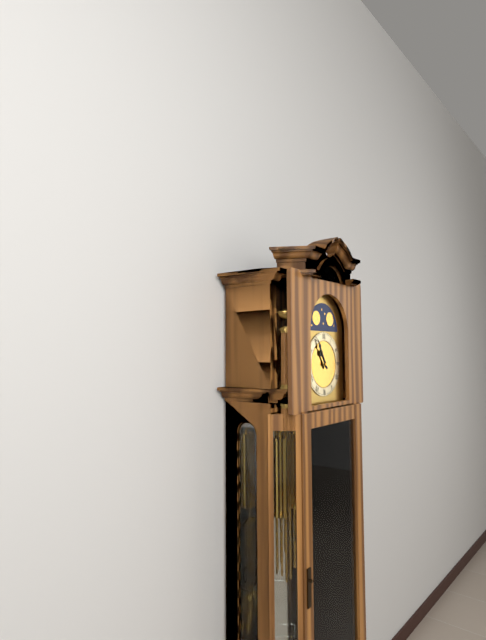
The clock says **10:55**
